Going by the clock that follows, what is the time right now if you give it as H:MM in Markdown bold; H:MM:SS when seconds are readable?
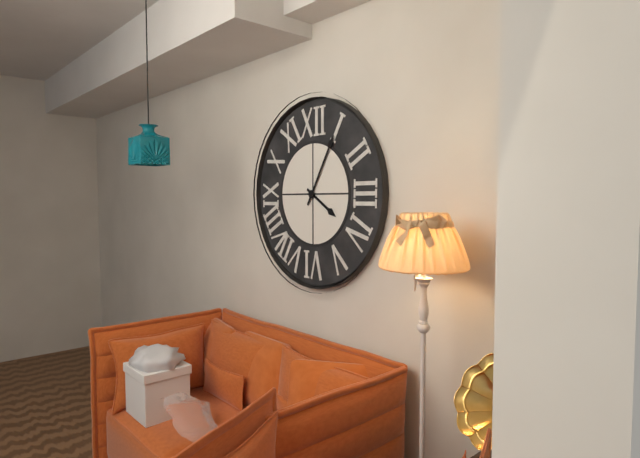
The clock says **4:05**
